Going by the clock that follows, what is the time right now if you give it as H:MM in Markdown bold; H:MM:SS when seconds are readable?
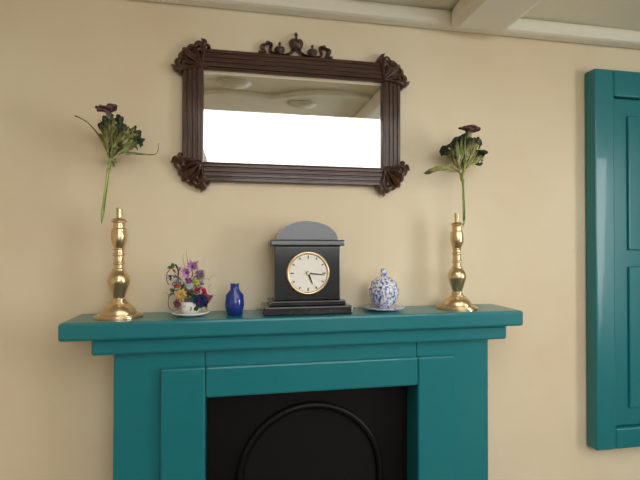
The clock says **5:16**
